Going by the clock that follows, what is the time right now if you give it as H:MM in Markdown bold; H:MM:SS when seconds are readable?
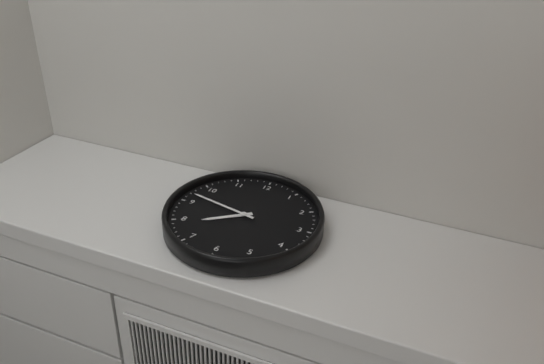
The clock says **7:47**
